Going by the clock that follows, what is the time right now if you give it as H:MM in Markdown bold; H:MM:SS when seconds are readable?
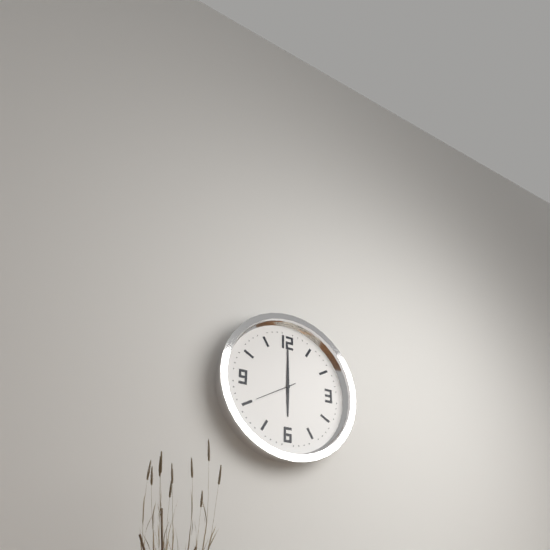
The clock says **6:00**
